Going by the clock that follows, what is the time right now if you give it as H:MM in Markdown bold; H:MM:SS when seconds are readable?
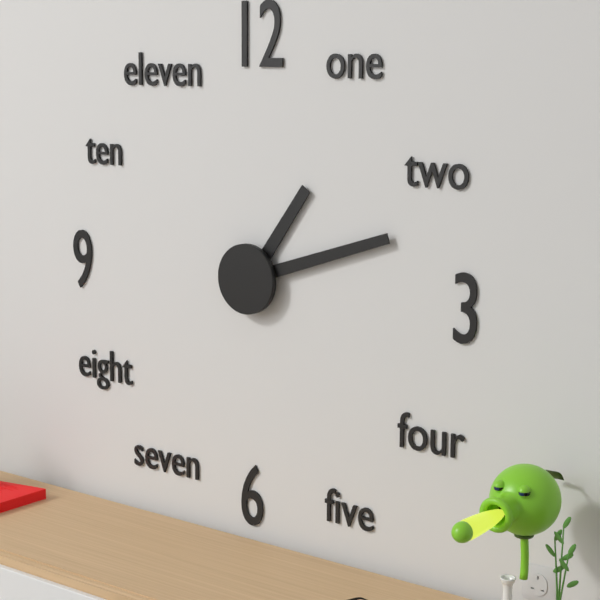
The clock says **1:12**
